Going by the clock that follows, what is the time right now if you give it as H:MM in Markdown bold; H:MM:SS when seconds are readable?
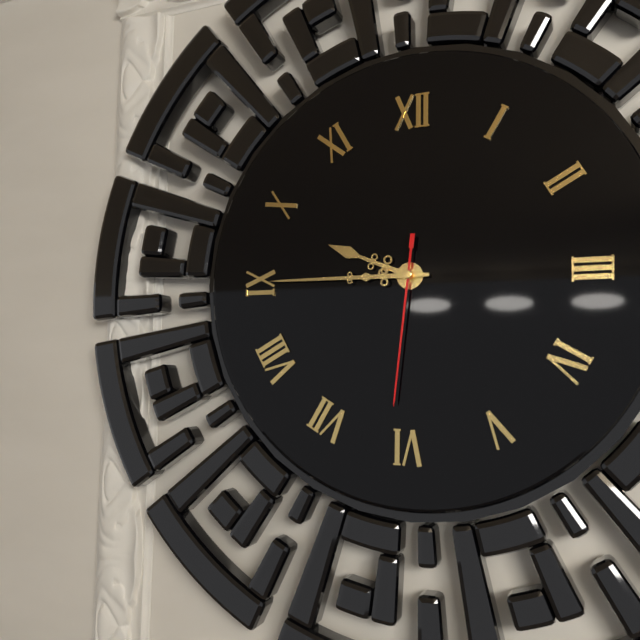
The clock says **9:45:31**
